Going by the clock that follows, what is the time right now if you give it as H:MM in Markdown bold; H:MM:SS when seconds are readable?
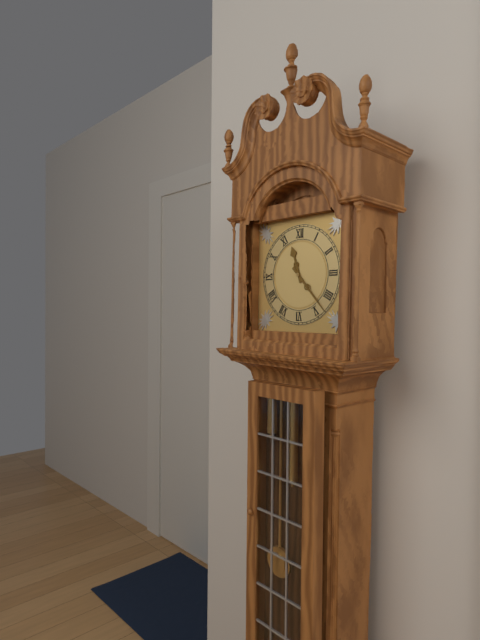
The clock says **11:23**
